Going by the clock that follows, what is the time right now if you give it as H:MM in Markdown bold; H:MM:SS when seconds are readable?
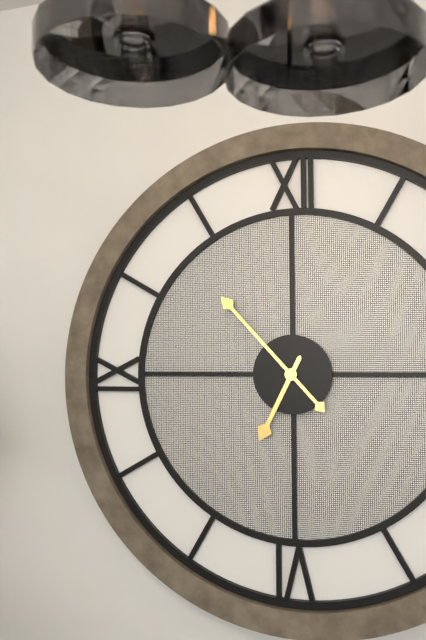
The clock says **6:53**
